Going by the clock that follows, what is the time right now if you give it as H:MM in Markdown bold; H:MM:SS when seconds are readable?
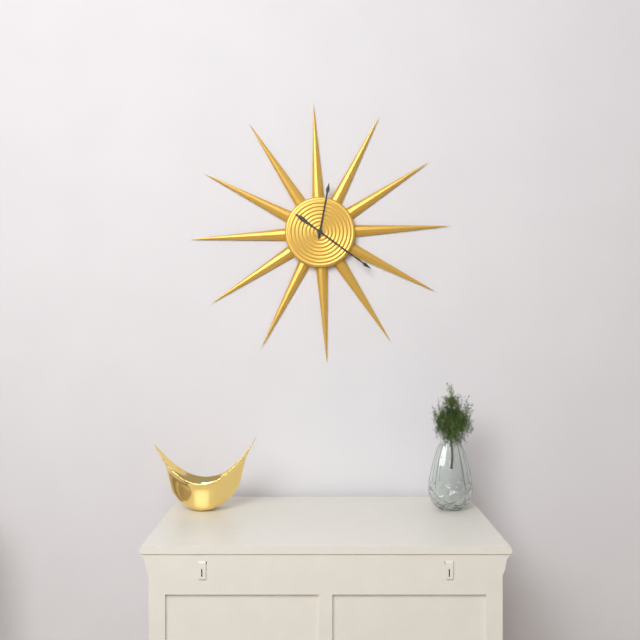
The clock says **12:21**
